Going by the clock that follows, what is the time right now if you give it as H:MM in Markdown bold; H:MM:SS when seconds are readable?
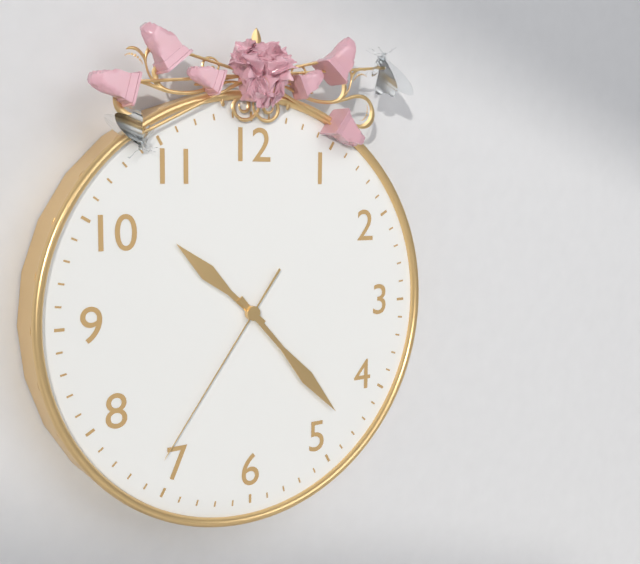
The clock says **10:23:36**
